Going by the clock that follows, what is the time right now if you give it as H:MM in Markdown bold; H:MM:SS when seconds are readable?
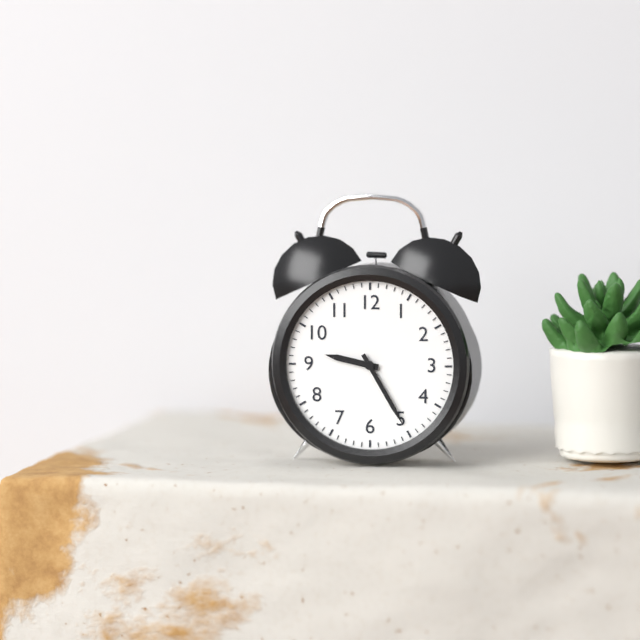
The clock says **9:25**
